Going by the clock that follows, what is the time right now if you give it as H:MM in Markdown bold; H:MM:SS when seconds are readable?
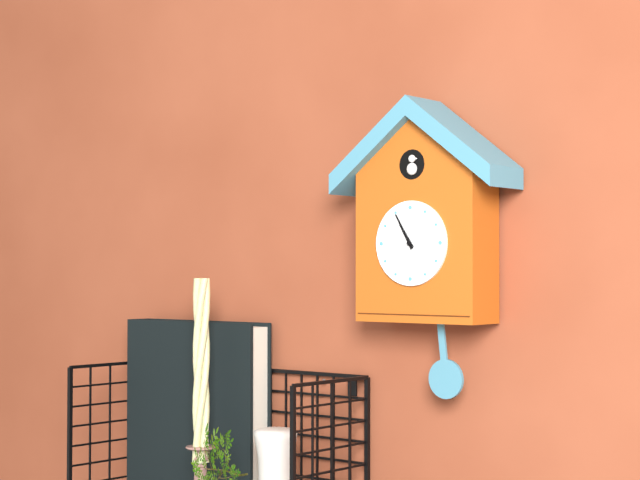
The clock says **10:55**
